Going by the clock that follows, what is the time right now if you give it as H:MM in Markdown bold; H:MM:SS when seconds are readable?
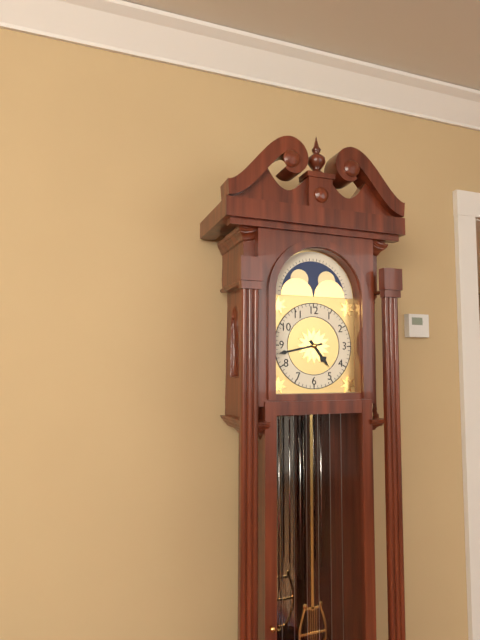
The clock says **4:43**
